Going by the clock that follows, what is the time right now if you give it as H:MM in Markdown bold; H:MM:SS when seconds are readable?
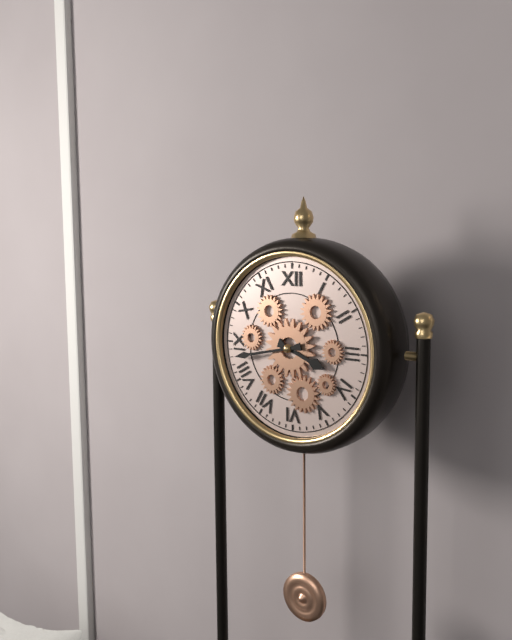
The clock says **3:43**
